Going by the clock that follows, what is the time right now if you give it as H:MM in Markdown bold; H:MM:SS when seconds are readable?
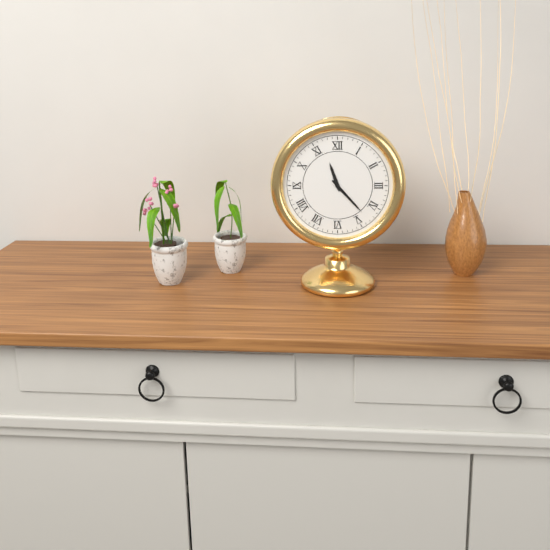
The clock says **11:23**
